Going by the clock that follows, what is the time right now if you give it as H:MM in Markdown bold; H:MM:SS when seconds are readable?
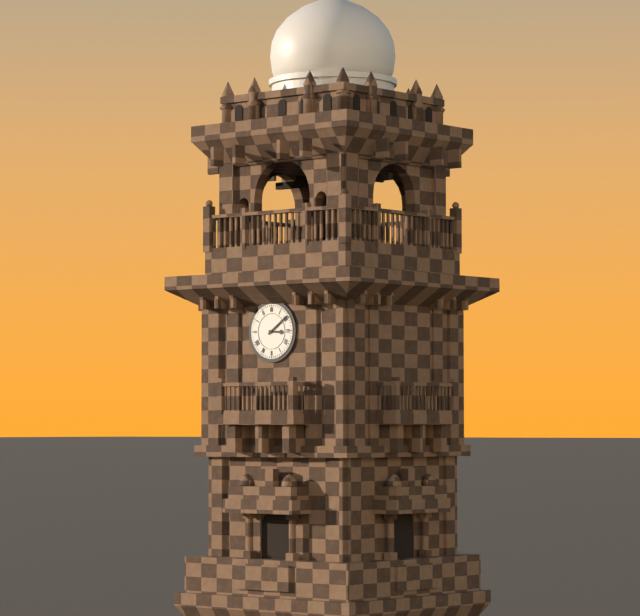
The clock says **3:09**
